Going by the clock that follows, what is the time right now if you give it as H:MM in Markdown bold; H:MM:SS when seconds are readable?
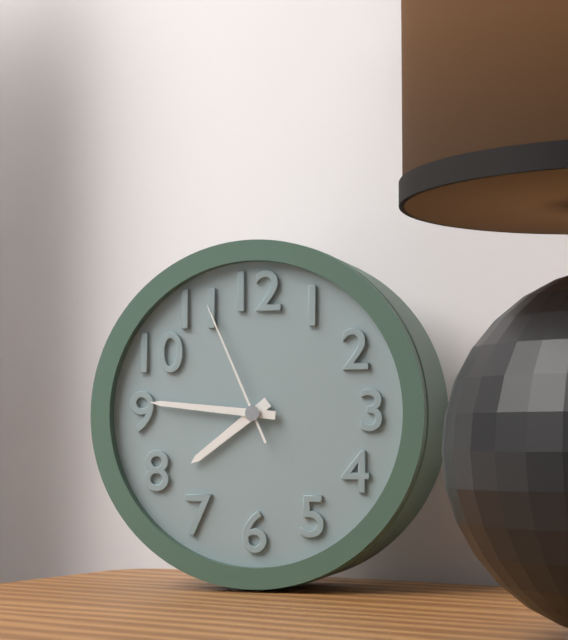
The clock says **7:46:56**
